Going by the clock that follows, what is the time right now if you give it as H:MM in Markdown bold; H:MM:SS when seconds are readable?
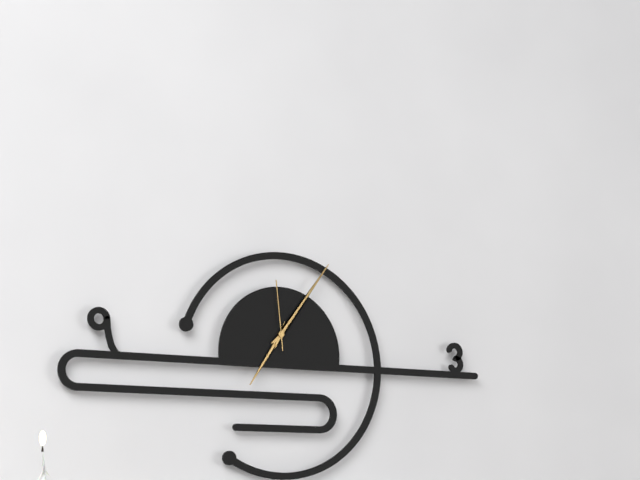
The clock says **7:06:59**
